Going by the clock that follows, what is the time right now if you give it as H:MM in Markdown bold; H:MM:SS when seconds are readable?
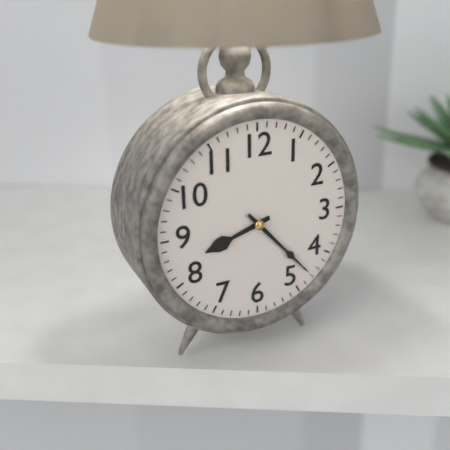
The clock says **8:23**
